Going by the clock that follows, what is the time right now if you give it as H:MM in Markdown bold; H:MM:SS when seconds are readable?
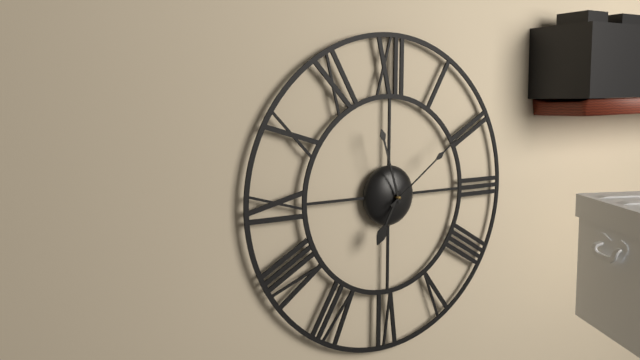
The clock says **6:57:09**
